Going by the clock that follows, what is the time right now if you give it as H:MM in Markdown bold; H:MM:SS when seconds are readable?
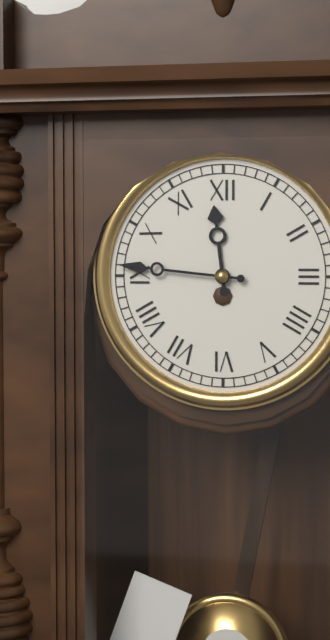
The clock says **11:46**
